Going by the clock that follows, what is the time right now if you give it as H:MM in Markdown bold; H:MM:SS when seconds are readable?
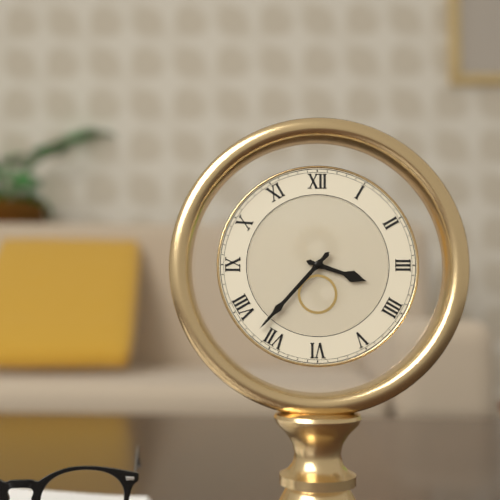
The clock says **3:37**
